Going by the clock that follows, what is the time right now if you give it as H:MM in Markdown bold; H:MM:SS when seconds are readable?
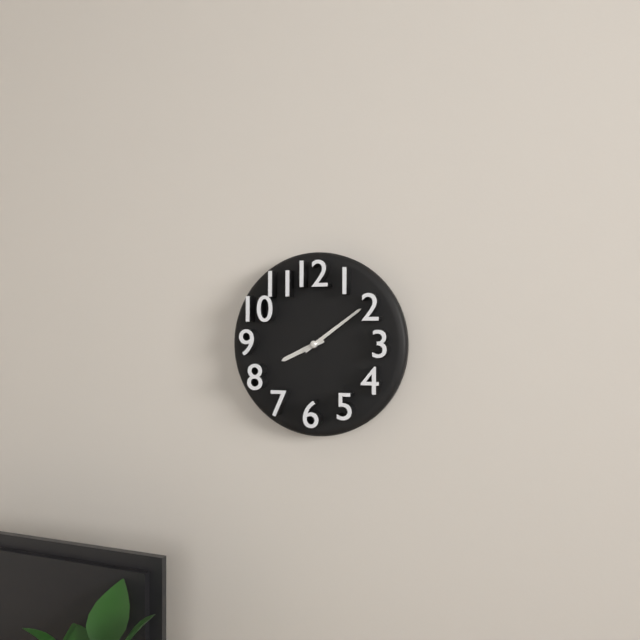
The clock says **8:09**
